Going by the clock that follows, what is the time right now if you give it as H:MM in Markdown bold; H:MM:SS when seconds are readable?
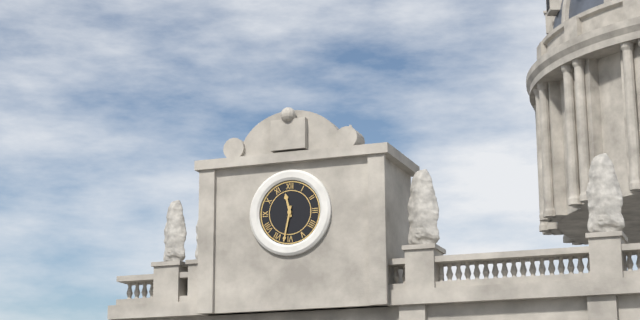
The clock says **11:32**
